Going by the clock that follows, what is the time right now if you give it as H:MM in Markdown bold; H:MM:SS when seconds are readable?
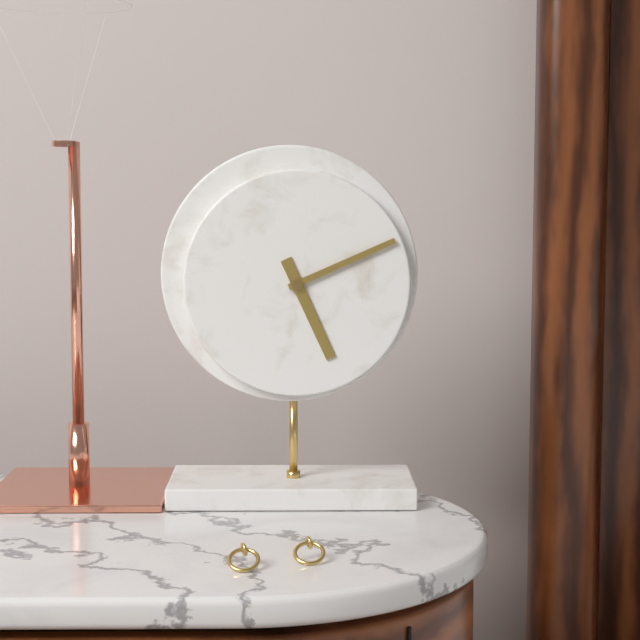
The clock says **5:11**
